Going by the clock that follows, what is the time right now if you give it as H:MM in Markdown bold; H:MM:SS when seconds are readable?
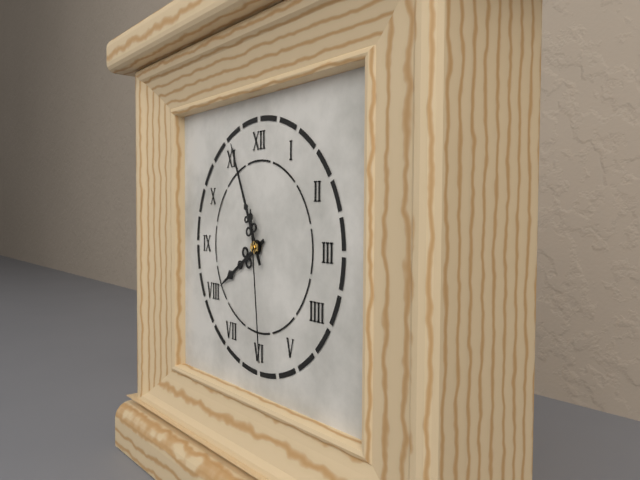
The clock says **7:56:29**
